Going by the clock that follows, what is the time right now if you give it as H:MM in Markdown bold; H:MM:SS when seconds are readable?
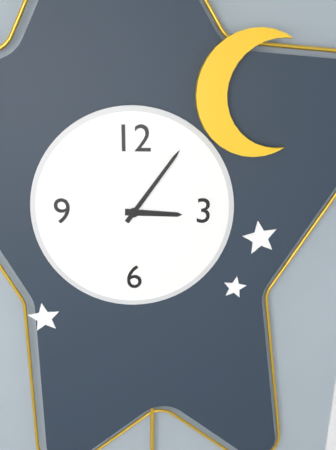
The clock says **3:06**
